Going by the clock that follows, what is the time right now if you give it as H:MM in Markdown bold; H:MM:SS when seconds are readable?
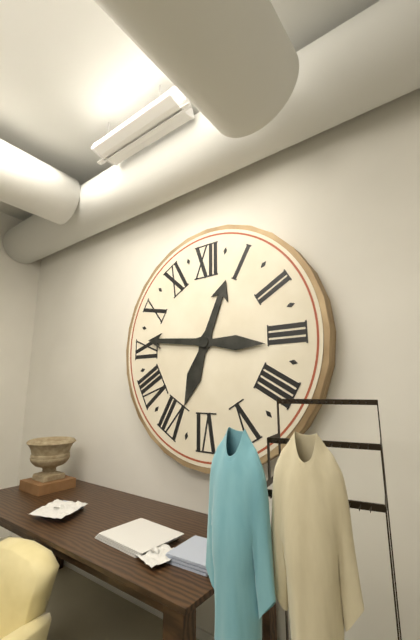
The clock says **12:46**
